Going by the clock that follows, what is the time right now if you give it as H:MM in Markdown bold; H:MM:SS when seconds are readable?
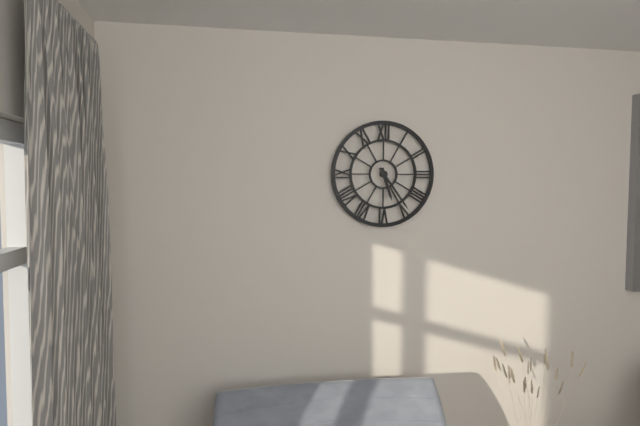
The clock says **5:24**
